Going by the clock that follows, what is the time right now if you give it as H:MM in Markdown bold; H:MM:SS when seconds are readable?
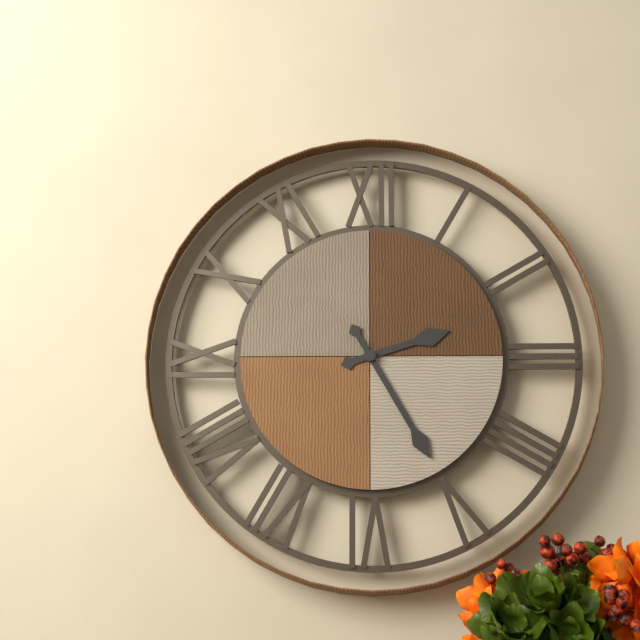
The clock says **2:25**
